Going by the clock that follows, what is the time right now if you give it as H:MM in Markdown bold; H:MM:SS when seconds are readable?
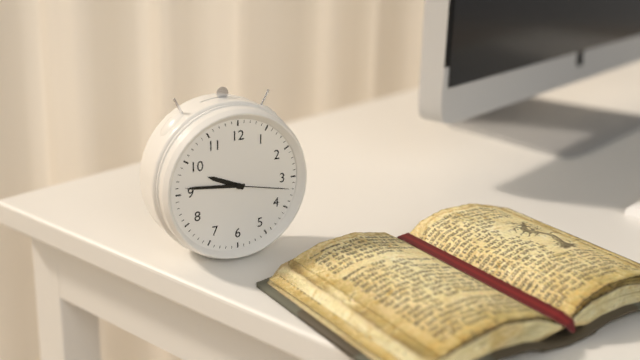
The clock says **9:46:17**
